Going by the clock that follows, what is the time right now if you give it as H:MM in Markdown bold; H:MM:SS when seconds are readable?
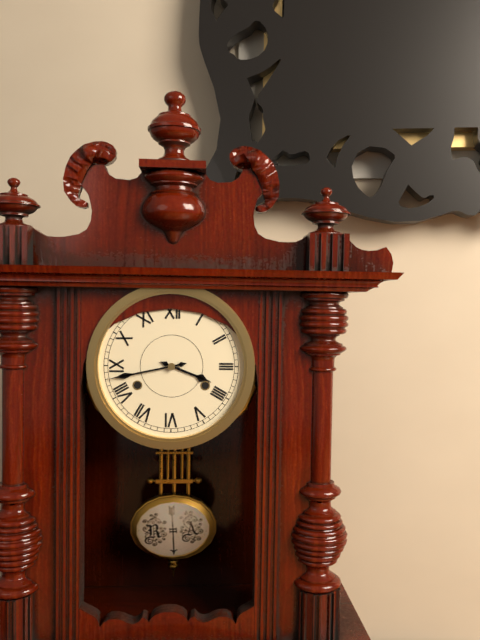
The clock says **3:43**
